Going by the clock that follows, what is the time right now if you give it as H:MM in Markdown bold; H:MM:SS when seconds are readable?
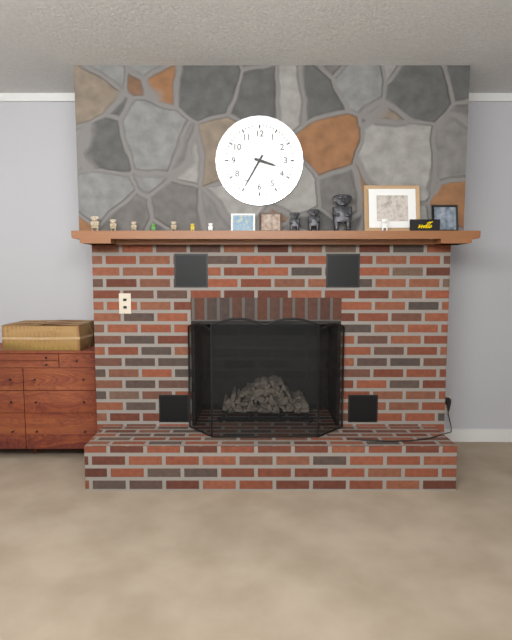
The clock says **3:35**
